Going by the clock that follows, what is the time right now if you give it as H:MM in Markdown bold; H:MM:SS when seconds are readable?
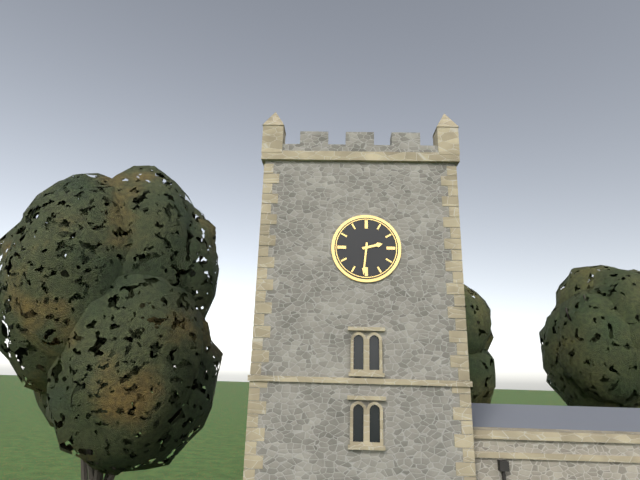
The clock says **2:31**
